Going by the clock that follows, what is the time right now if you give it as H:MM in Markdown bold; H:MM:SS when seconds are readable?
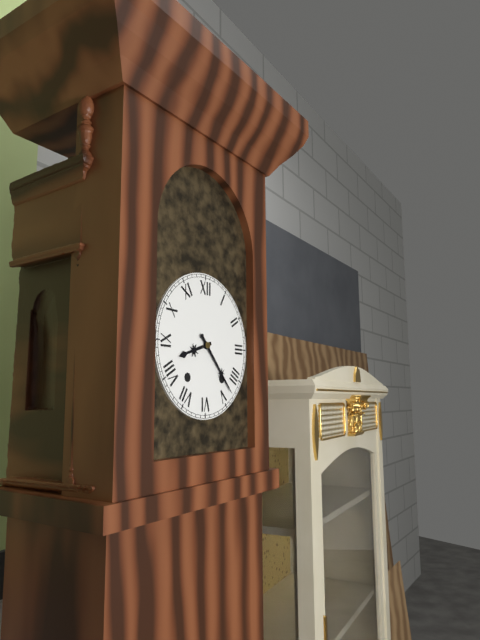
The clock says **8:23**
